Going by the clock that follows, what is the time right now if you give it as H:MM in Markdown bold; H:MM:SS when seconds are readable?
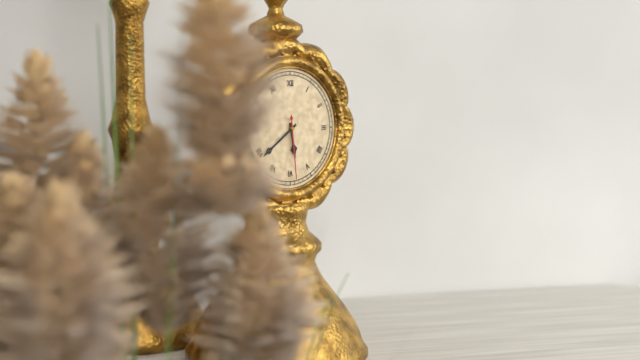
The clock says **5:39:29**
